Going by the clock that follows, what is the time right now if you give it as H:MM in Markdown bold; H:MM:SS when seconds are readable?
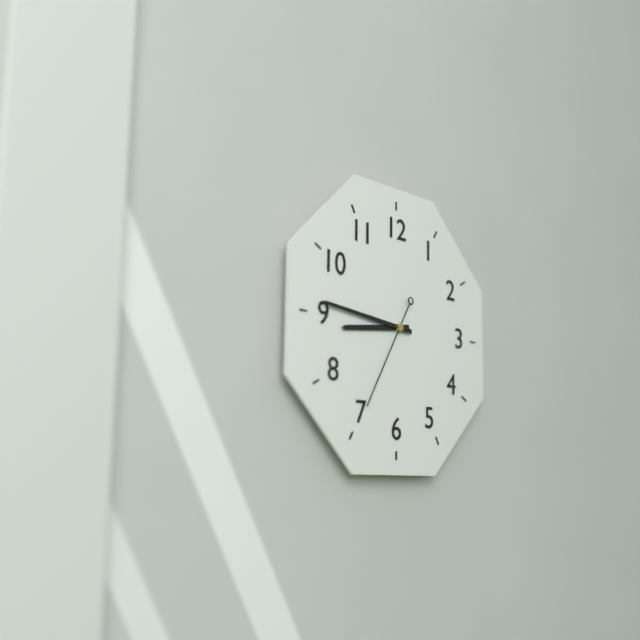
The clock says **8:46:35**
